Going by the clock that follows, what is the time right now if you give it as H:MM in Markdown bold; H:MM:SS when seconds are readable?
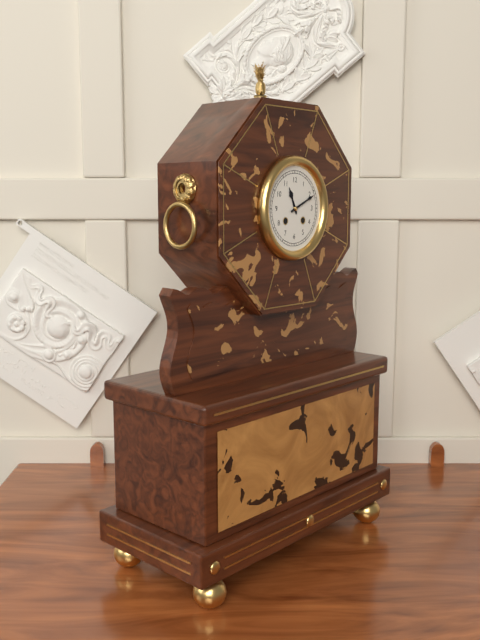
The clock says **11:11**
